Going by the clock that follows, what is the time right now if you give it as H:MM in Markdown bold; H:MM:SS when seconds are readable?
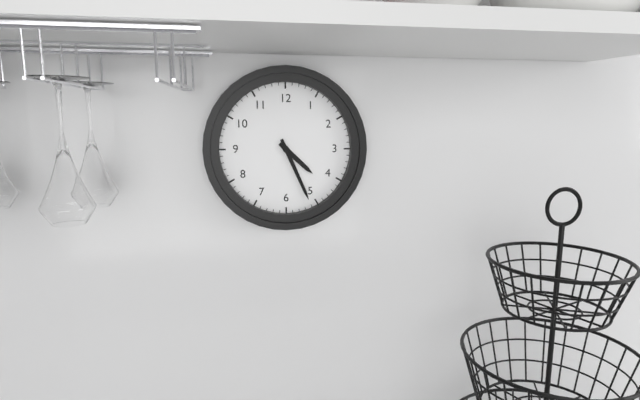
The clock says **4:26**
